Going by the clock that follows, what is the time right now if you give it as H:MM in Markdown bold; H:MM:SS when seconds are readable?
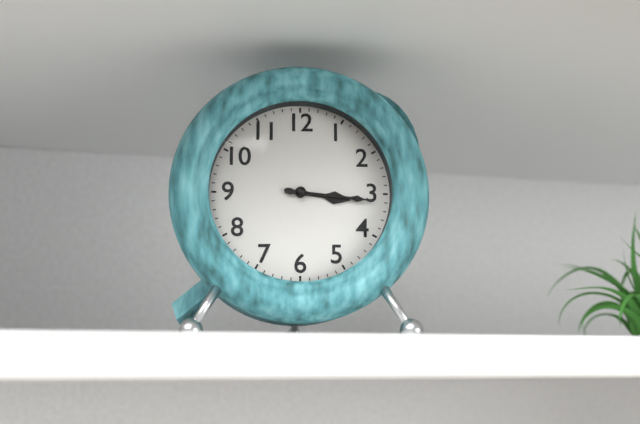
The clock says **3:16**
